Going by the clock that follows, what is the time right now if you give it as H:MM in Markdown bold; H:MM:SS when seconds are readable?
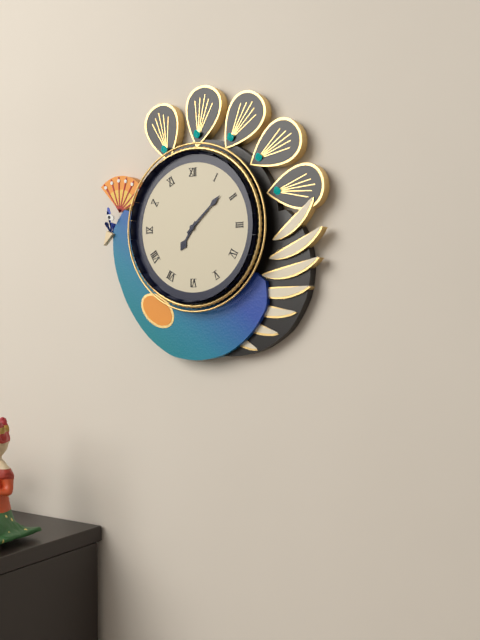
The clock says **7:08**
